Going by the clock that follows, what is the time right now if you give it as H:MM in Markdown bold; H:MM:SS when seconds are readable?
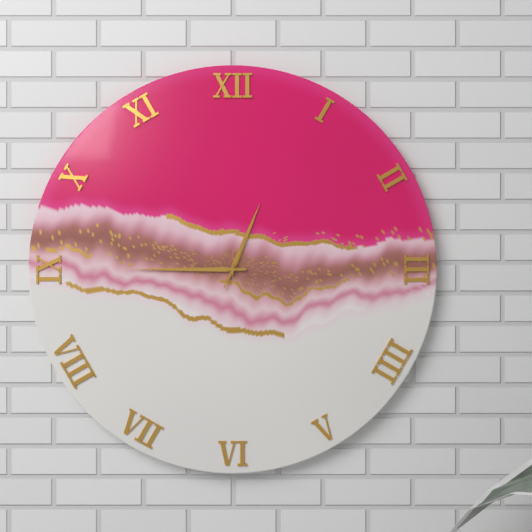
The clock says **12:45:04**
